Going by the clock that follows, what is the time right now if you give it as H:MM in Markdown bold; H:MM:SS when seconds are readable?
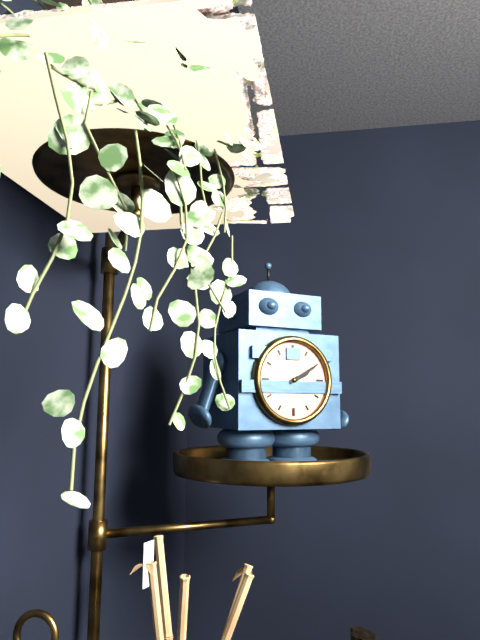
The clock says **2:10**
